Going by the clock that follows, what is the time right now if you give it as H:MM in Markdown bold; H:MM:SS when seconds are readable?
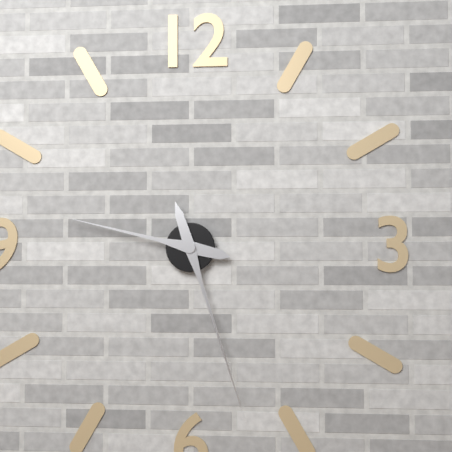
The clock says **9:27**
